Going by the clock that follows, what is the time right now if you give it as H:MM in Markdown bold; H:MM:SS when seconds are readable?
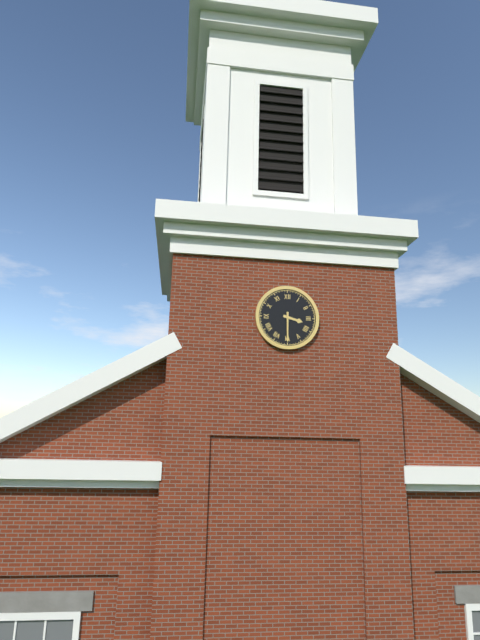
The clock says **3:30**
